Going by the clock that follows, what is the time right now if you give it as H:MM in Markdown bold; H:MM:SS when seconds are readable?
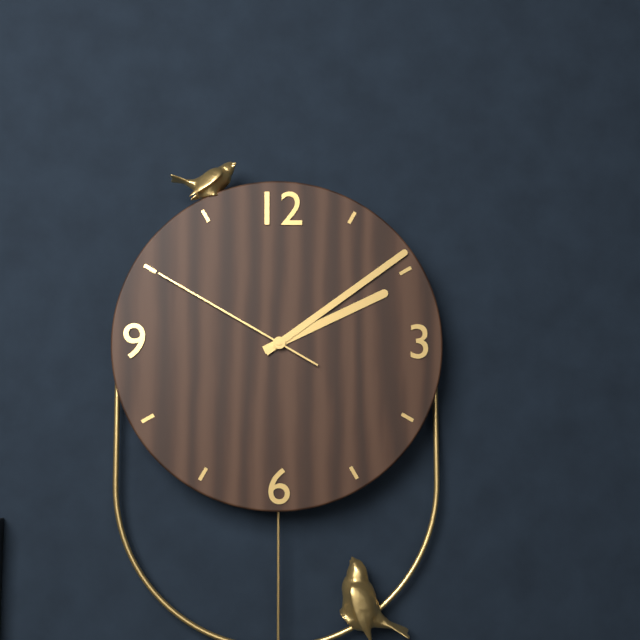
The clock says **2:09:50**
